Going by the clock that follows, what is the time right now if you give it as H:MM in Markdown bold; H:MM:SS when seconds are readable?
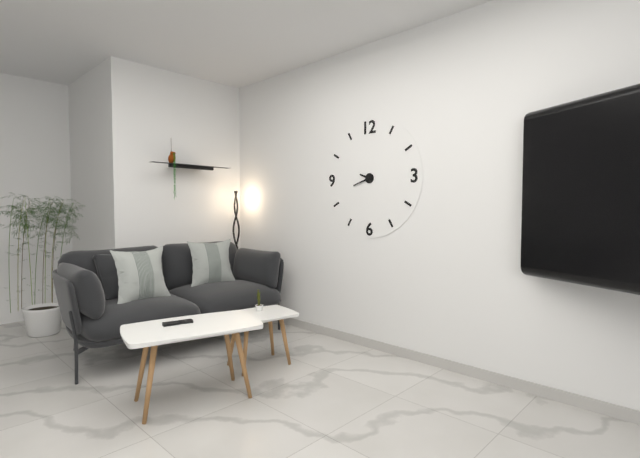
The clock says **9:42**
